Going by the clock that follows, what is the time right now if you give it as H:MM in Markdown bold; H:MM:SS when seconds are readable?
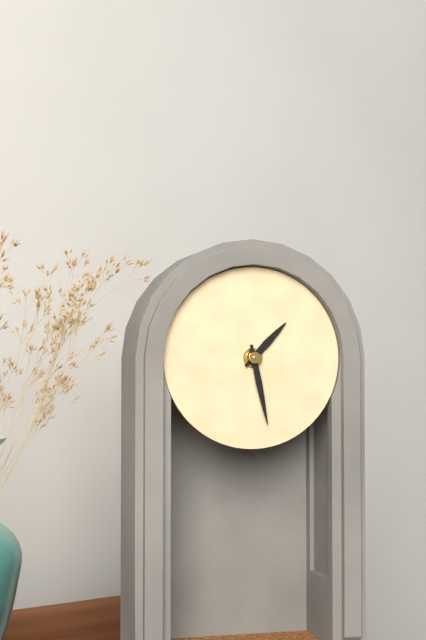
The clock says **1:28**
